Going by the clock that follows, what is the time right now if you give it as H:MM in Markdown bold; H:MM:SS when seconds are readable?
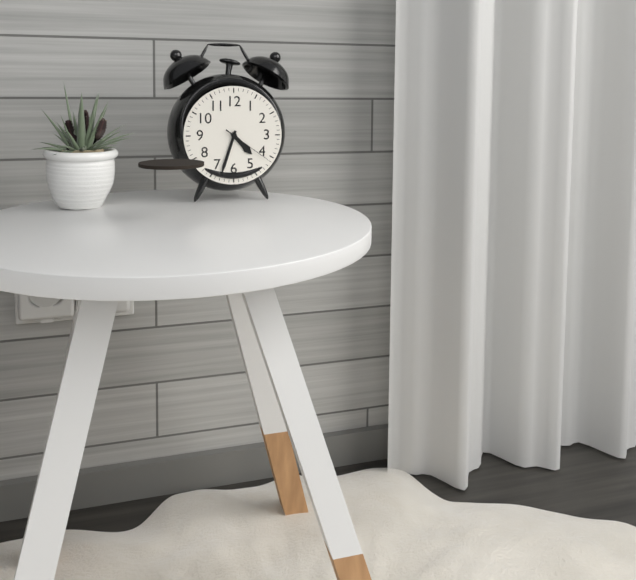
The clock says **4:33:21**
